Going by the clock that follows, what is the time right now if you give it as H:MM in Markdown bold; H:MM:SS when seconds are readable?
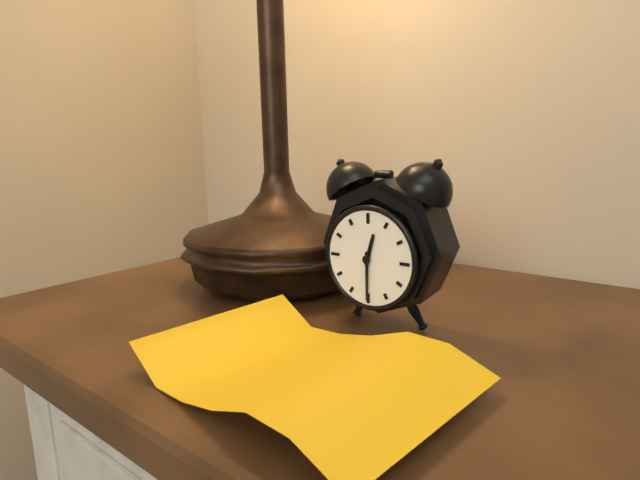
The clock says **12:30**
